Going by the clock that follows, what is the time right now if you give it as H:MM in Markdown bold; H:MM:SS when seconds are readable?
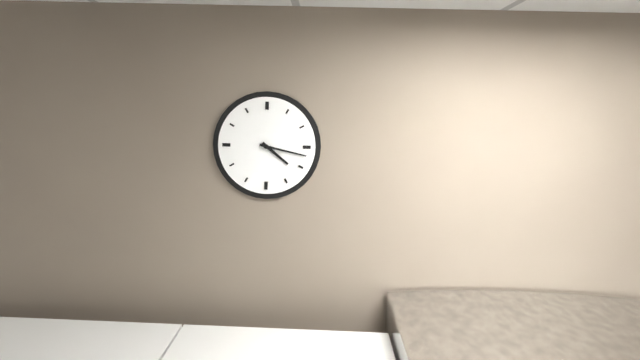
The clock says **4:17**
